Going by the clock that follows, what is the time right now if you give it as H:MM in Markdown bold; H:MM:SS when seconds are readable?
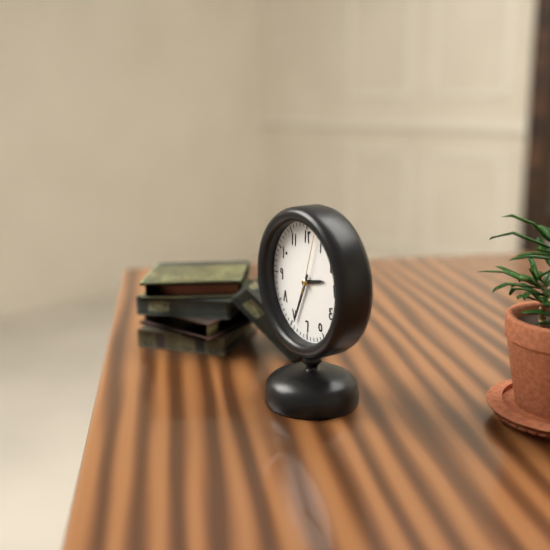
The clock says **2:34:03**
